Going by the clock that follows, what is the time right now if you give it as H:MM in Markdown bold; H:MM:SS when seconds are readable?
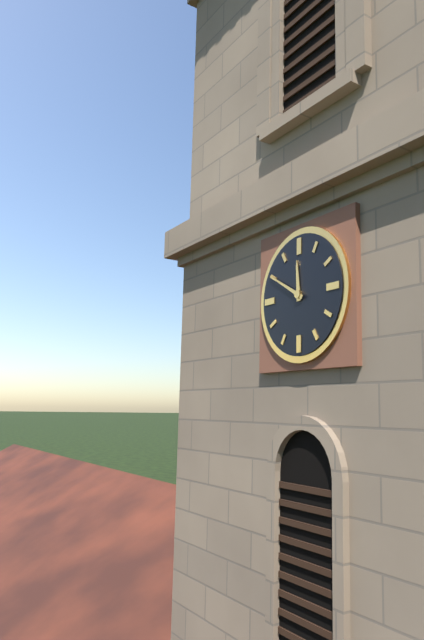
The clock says **11:50**
